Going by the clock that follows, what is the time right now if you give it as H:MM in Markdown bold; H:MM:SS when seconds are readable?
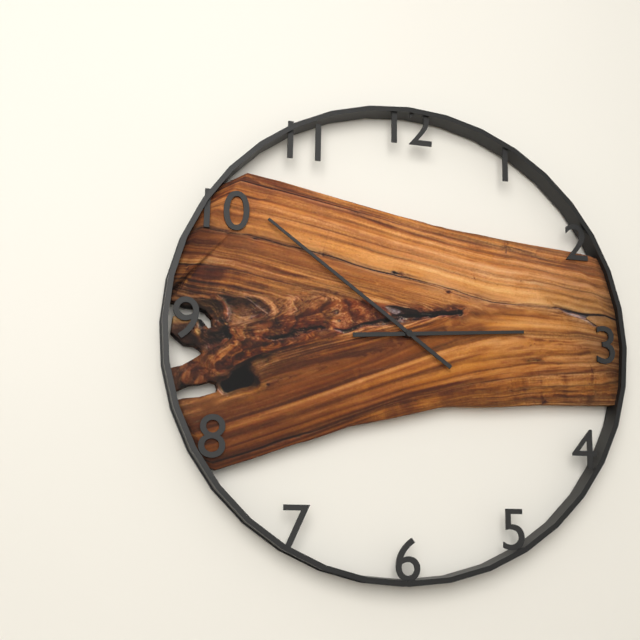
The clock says **2:51**
